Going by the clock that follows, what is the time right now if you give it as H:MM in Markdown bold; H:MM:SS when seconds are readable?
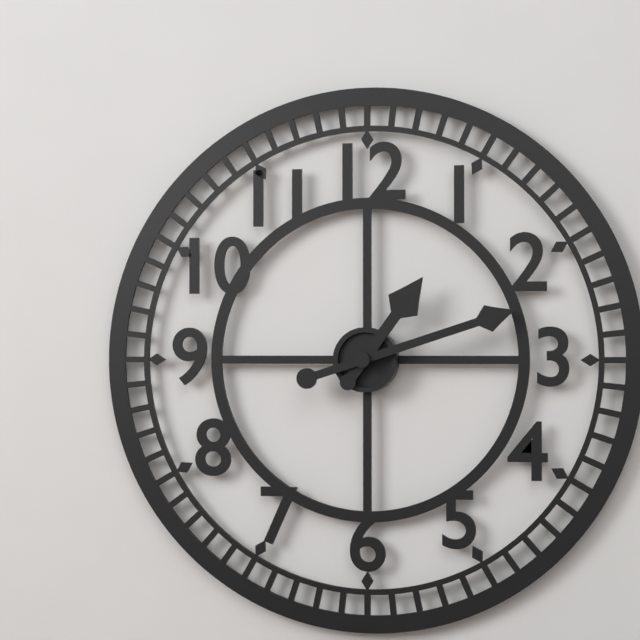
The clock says **1:12**
